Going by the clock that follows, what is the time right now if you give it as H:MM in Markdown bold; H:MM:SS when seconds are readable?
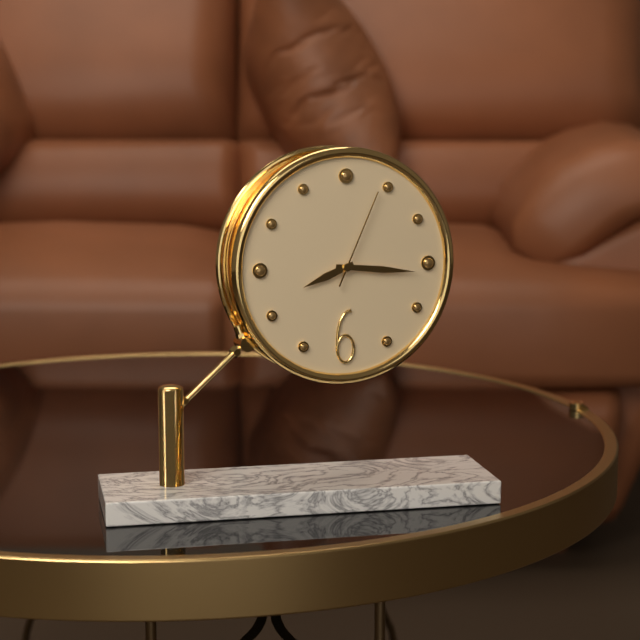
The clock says **8:16:04**
